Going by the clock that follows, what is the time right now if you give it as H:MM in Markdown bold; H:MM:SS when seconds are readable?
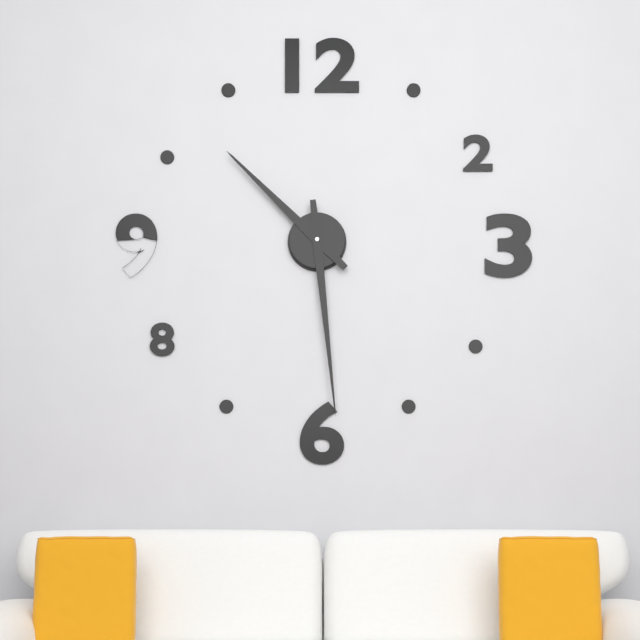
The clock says **10:29**
